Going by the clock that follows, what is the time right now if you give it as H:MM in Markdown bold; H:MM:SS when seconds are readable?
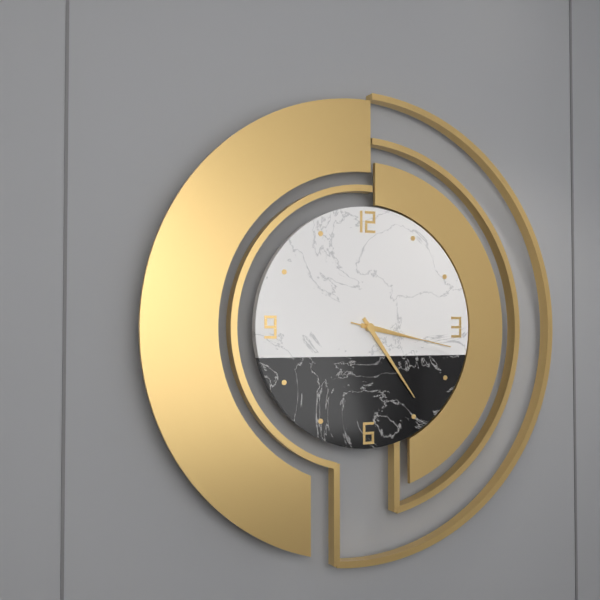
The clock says **3:24:17**
